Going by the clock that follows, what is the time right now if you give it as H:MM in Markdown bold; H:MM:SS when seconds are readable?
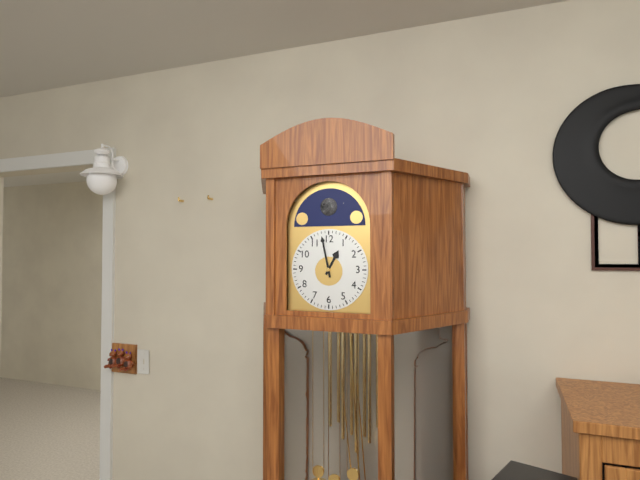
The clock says **12:58**
